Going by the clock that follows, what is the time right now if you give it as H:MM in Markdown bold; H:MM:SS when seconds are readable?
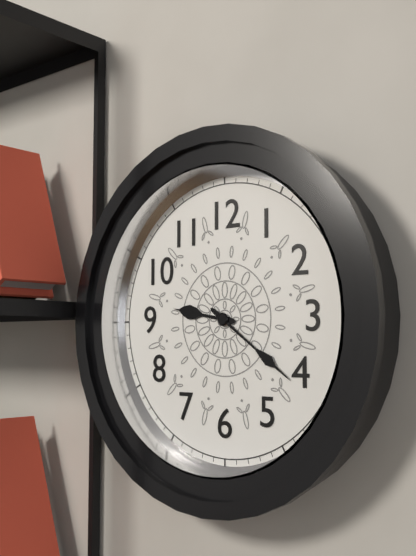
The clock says **9:21**
